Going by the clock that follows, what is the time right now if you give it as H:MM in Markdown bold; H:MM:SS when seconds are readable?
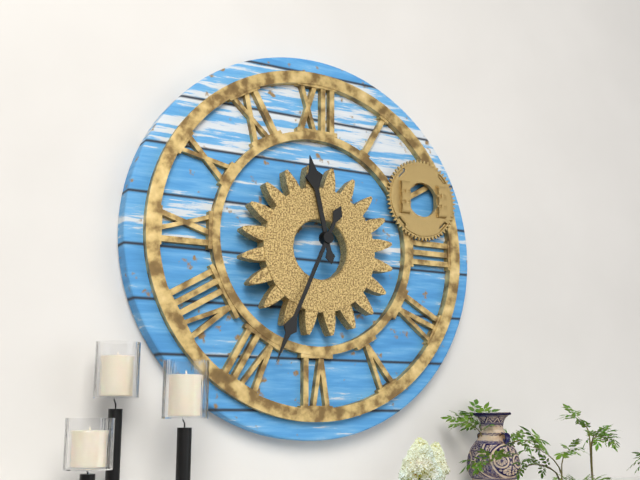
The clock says **11:34**
